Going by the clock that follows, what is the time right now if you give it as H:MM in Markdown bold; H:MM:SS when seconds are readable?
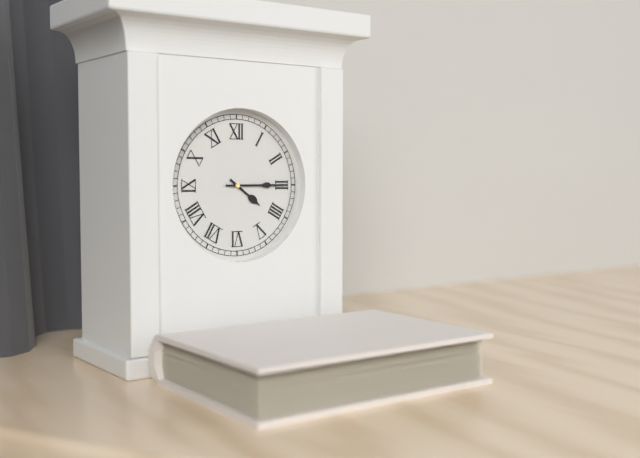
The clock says **4:15**
